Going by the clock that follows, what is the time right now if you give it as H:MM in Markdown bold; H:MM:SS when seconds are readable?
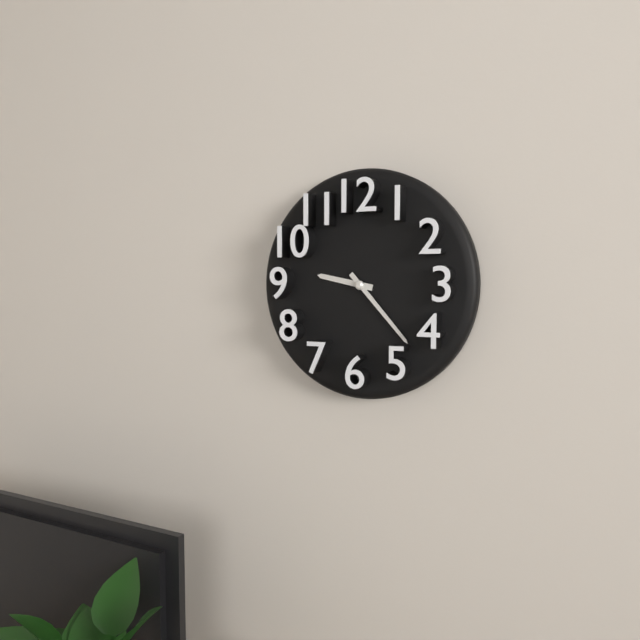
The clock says **9:23**
